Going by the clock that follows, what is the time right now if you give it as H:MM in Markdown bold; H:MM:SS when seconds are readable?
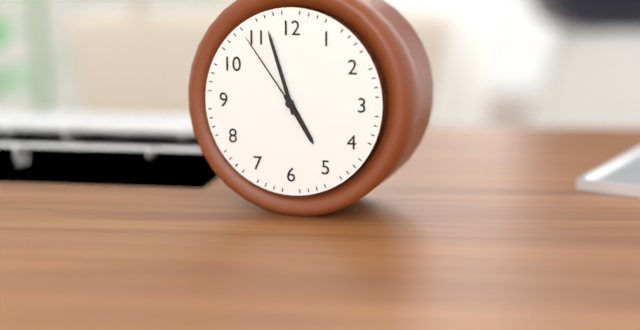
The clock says **4:57:54**
